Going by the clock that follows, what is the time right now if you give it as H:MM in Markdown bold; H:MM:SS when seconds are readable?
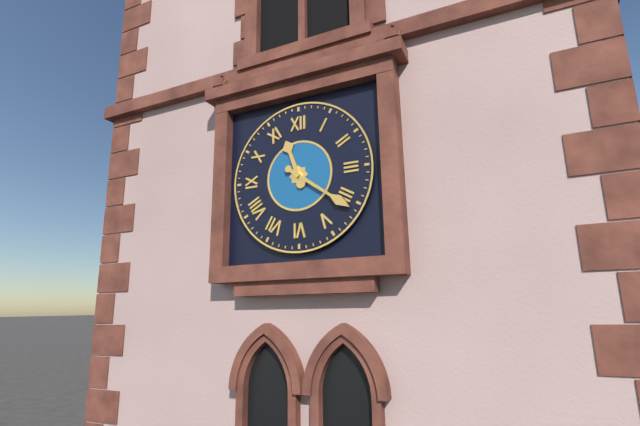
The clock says **11:21**
